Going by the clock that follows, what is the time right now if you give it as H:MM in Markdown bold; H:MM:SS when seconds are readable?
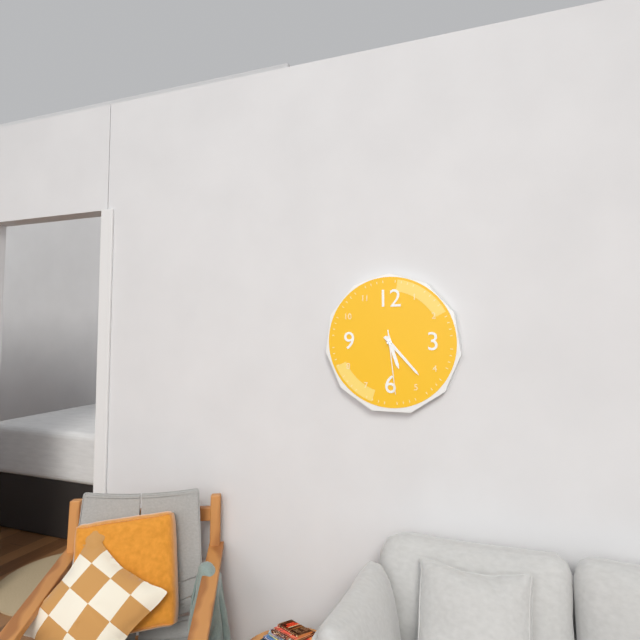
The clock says **5:23:29**
